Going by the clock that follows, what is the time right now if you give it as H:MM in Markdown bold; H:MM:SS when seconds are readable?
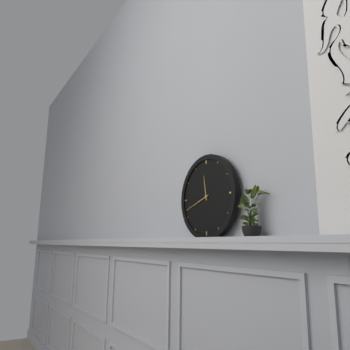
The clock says **11:42**
